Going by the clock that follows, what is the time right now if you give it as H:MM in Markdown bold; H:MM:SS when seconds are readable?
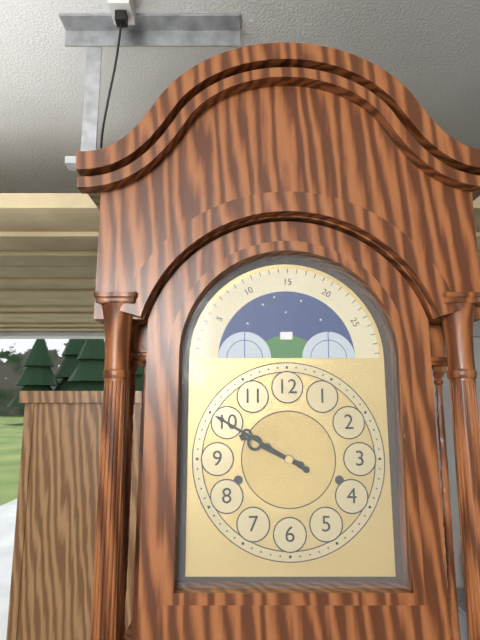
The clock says **9:50**
